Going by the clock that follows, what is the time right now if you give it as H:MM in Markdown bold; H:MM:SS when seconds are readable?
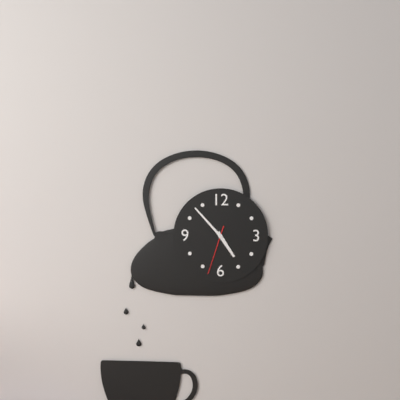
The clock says **4:53:33**
